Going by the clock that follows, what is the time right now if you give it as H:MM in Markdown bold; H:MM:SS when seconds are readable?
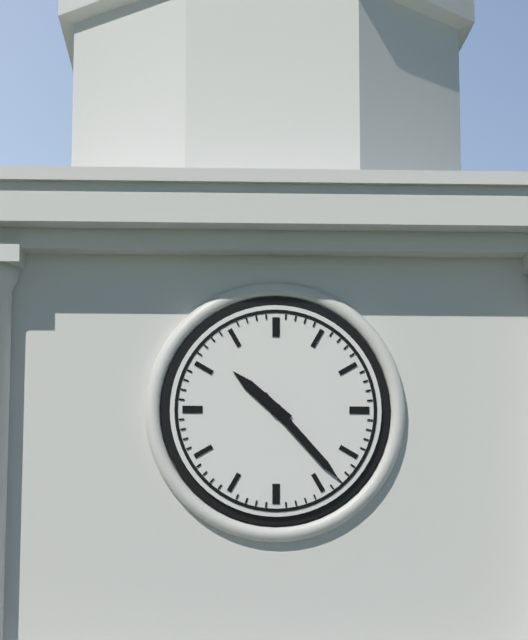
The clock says **10:23**
